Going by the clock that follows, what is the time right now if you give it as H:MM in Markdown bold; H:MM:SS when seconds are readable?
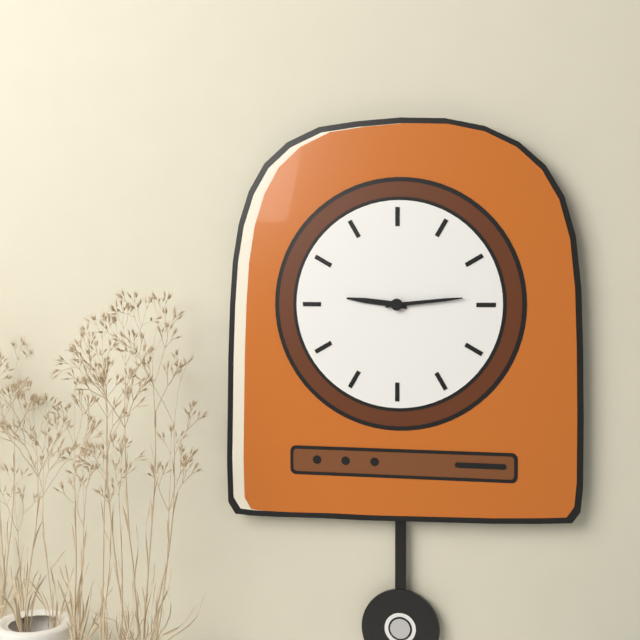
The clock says **9:14**
